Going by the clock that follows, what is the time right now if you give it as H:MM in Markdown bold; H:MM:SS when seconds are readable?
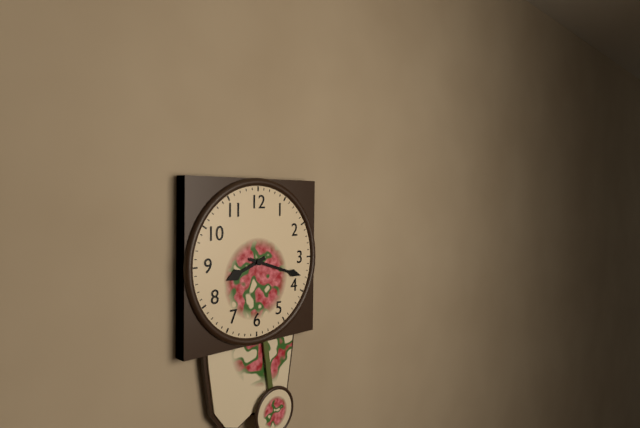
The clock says **8:18**
